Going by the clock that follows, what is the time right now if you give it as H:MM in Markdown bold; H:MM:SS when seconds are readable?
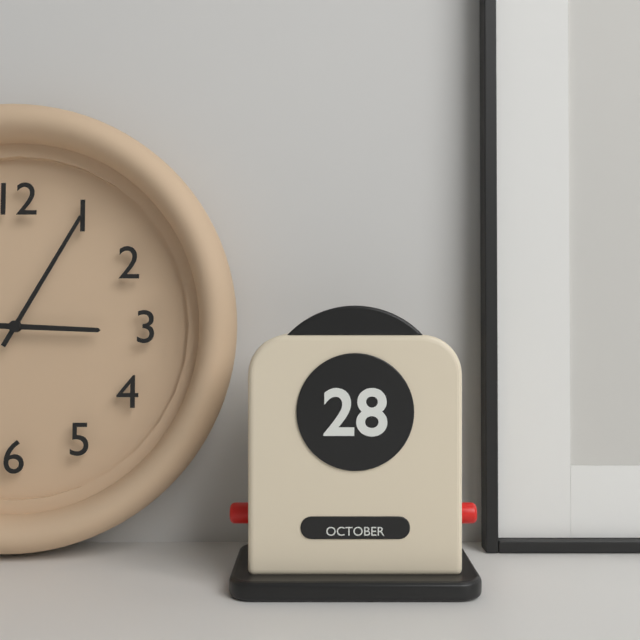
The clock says **3:05**
